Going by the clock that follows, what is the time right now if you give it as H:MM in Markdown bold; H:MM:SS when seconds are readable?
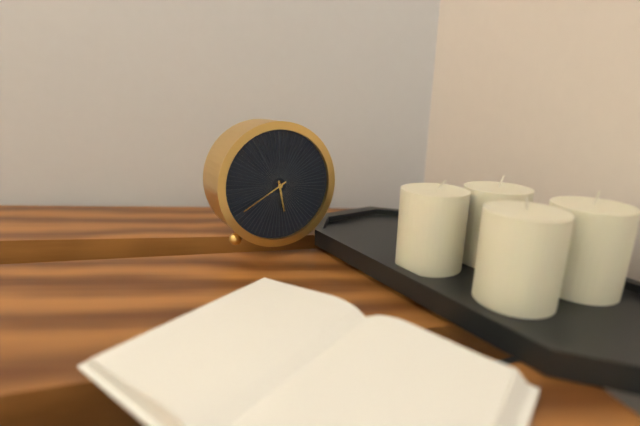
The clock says **5:40**
